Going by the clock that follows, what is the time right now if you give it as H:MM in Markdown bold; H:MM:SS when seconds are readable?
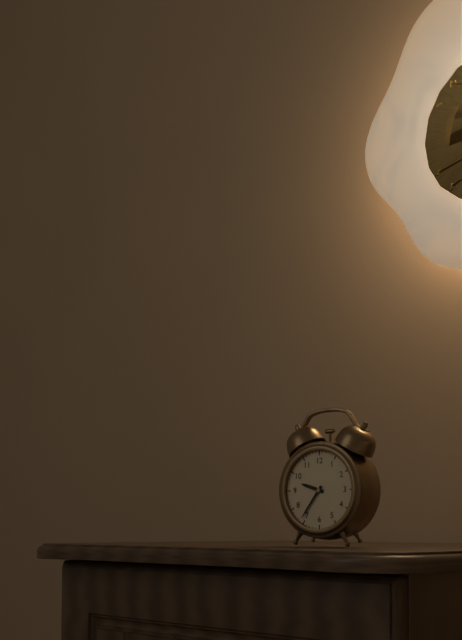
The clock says **9:36**
